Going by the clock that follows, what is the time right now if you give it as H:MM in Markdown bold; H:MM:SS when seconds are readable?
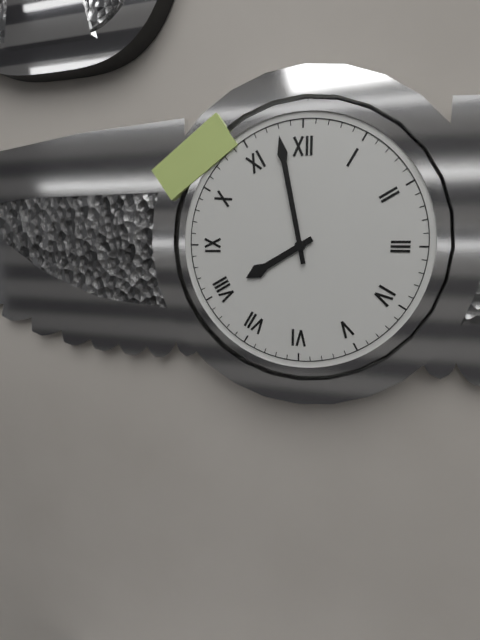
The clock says **7:58**
